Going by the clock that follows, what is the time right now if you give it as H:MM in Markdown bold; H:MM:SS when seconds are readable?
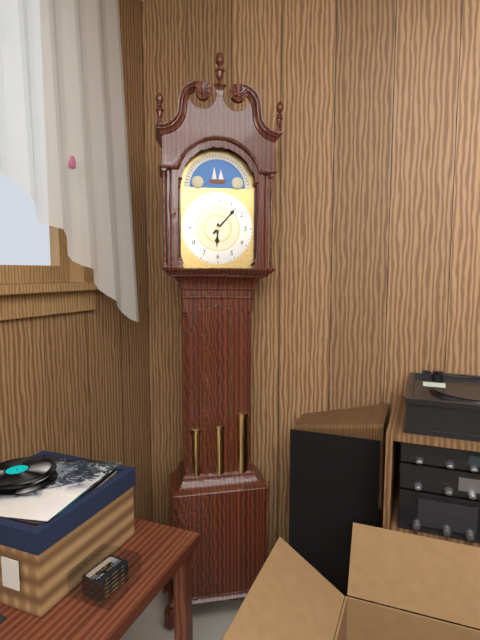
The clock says **6:07**
